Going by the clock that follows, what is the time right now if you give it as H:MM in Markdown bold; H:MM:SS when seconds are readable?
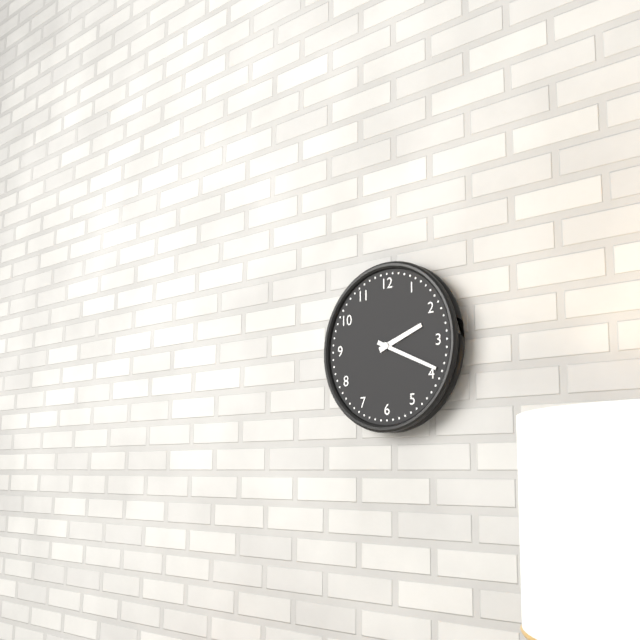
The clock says **2:19**
